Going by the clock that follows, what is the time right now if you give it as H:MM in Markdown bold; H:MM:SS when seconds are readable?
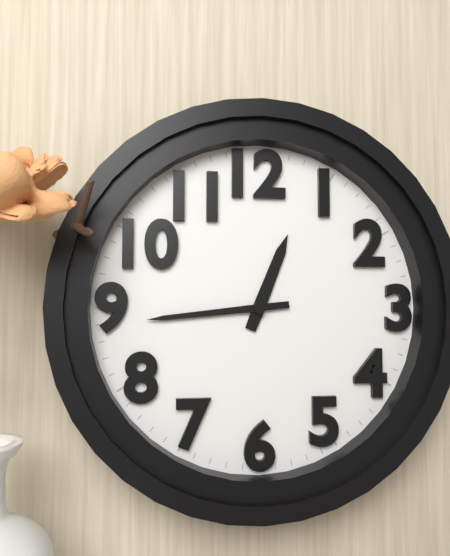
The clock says **12:44**
